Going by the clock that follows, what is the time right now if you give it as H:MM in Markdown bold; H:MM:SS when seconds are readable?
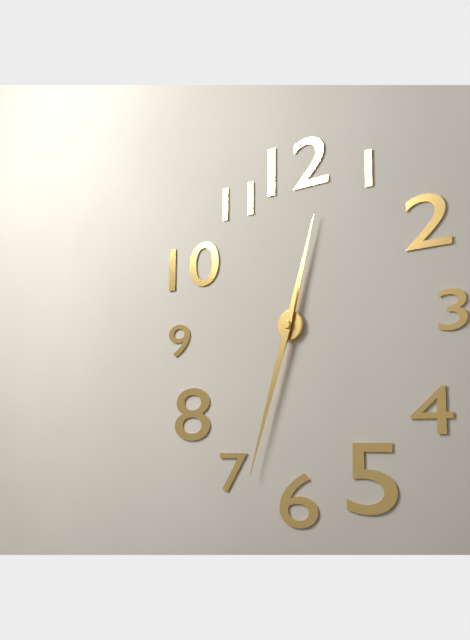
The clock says **12:33**
